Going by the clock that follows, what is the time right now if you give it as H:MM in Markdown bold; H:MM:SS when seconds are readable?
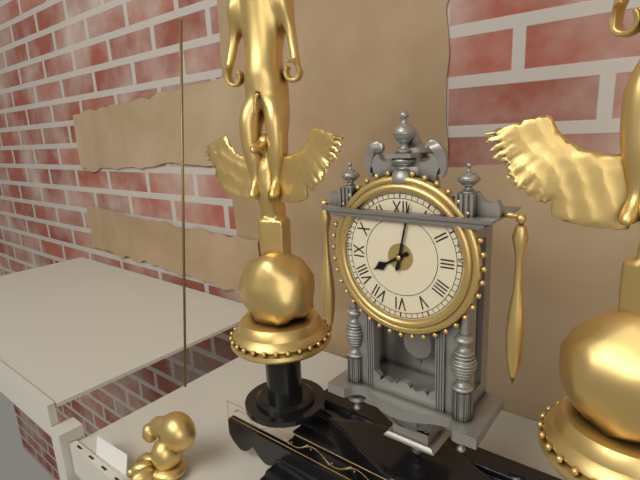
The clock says **8:02**
